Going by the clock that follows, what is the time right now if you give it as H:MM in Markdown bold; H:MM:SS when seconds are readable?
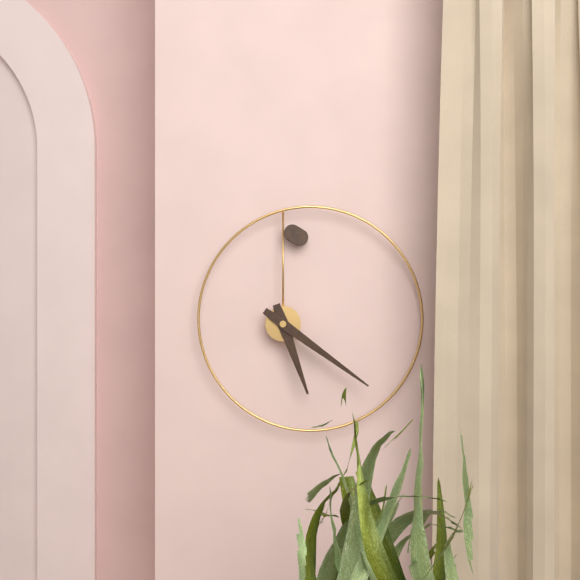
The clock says **5:21**
